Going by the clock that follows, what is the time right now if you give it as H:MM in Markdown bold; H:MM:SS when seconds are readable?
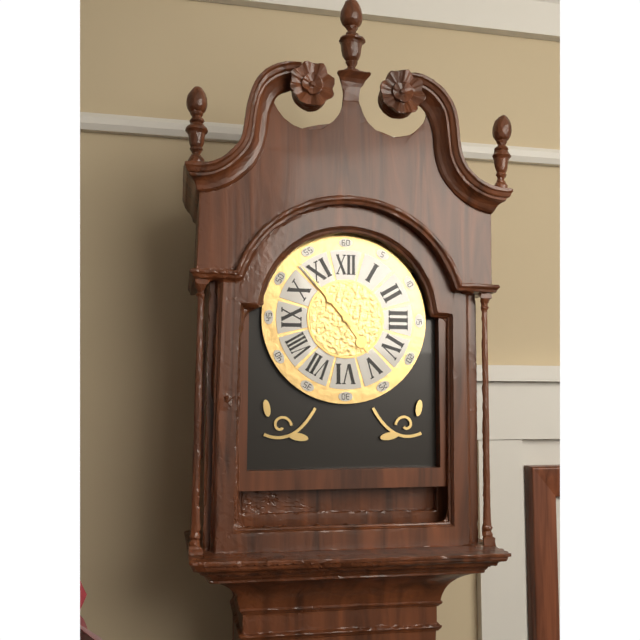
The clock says **4:53**
